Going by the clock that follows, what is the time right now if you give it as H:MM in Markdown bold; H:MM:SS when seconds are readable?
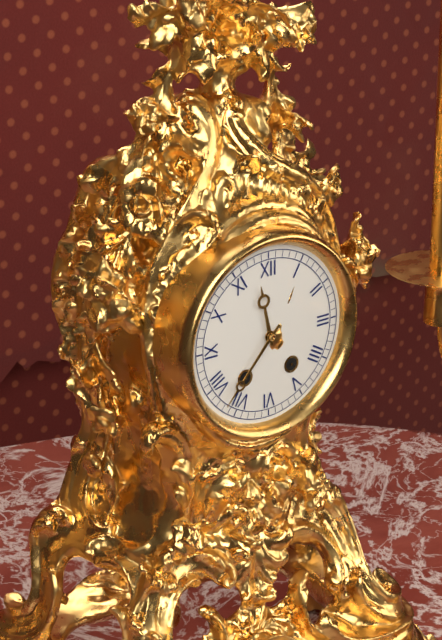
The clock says **11:37**
